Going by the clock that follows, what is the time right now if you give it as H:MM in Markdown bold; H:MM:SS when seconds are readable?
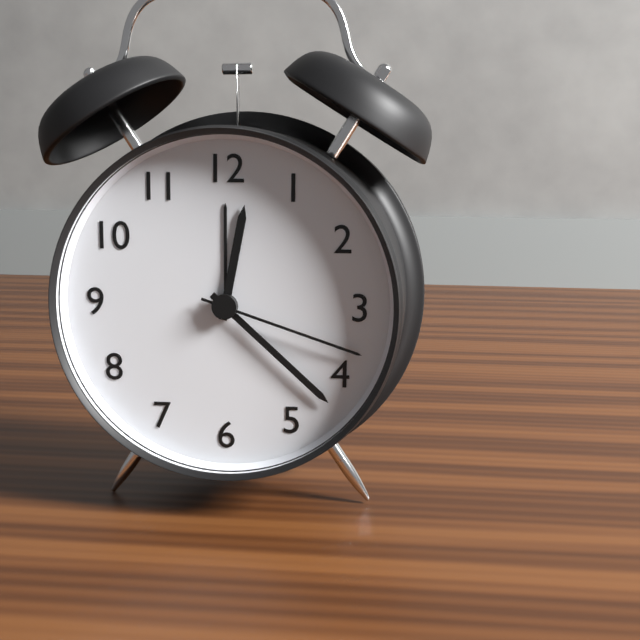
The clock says **12:22:18**
